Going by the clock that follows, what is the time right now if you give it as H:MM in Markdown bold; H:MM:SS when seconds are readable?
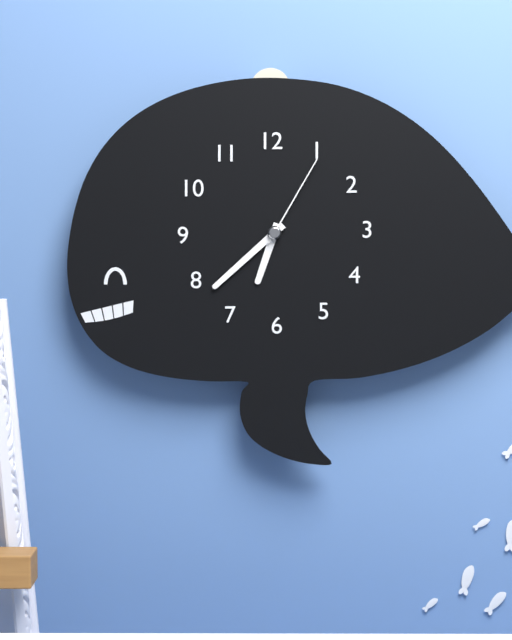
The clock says **6:38:05**
